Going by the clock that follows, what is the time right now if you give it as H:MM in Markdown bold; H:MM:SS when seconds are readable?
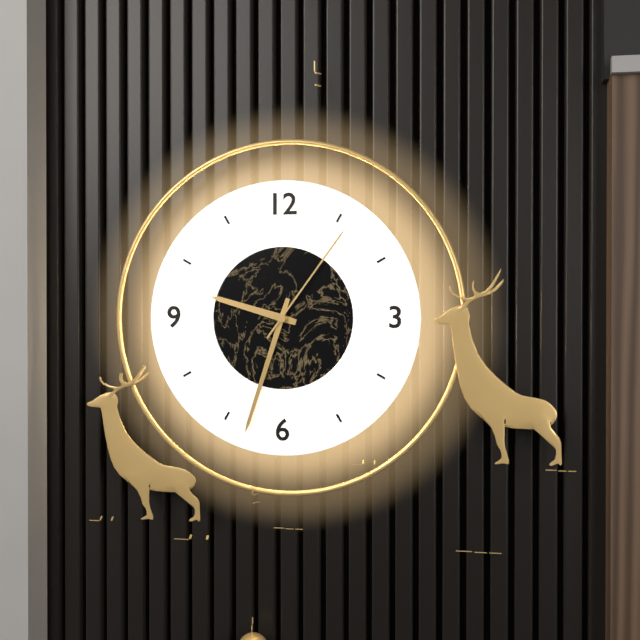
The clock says **9:33:06**
